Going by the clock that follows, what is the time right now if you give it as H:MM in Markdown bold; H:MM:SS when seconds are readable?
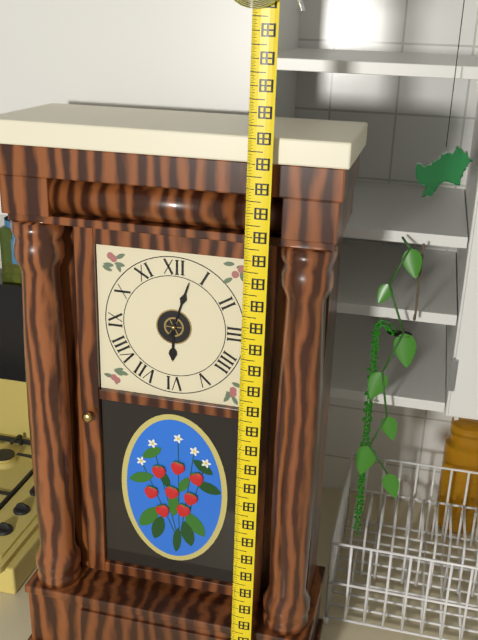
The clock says **6:03**
